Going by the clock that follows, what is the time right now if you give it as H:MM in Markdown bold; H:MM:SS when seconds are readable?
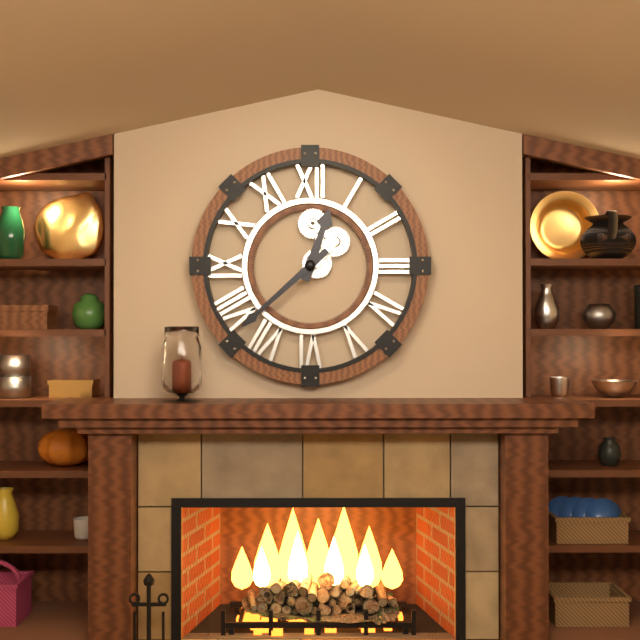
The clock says **12:38**
